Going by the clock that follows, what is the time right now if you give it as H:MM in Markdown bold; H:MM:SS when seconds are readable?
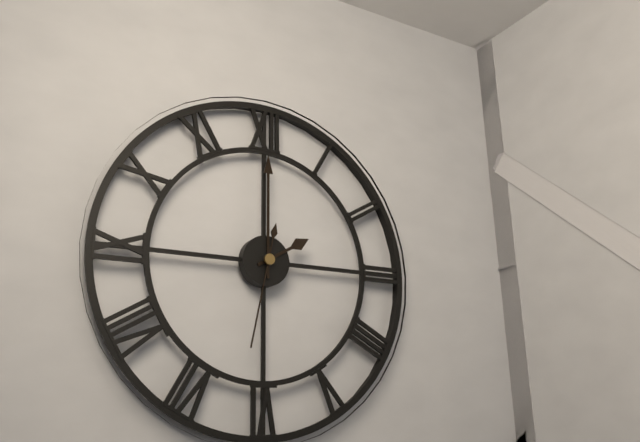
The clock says **2:00:32**
